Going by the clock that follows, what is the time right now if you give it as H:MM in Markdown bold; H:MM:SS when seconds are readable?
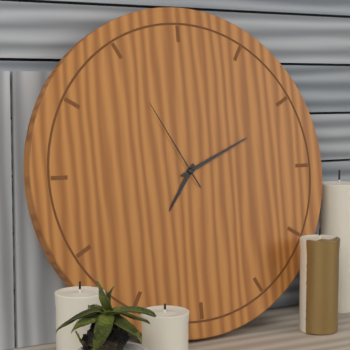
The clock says **7:11:55**
